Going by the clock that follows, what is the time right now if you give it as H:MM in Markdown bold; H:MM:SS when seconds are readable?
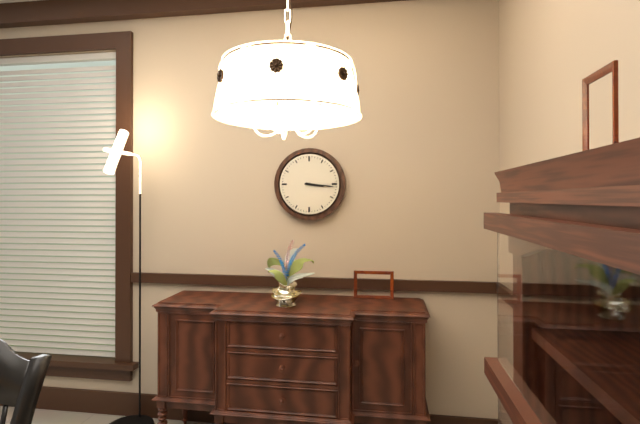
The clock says **3:16**
